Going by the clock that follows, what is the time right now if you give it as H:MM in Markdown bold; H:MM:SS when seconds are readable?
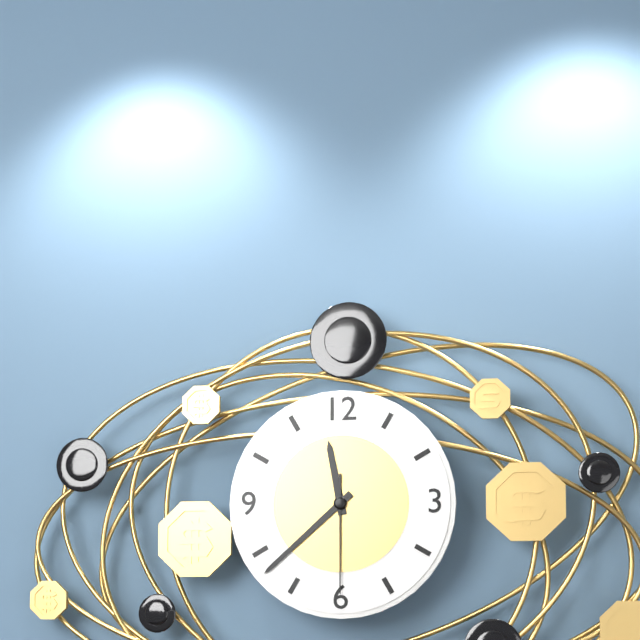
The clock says **11:38:30**
